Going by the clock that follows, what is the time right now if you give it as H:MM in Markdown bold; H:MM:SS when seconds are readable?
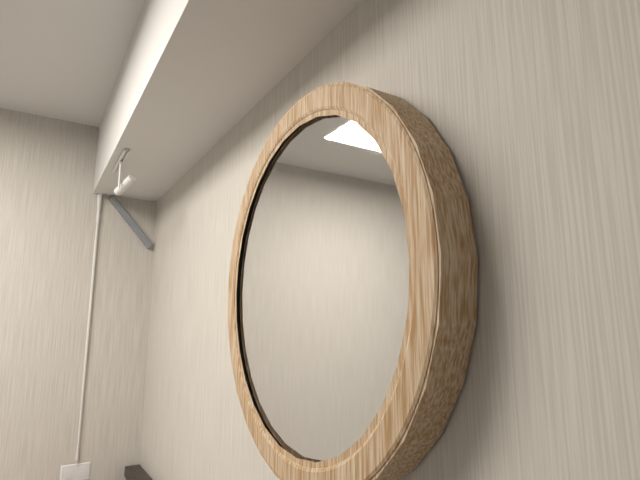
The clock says **3:26**
